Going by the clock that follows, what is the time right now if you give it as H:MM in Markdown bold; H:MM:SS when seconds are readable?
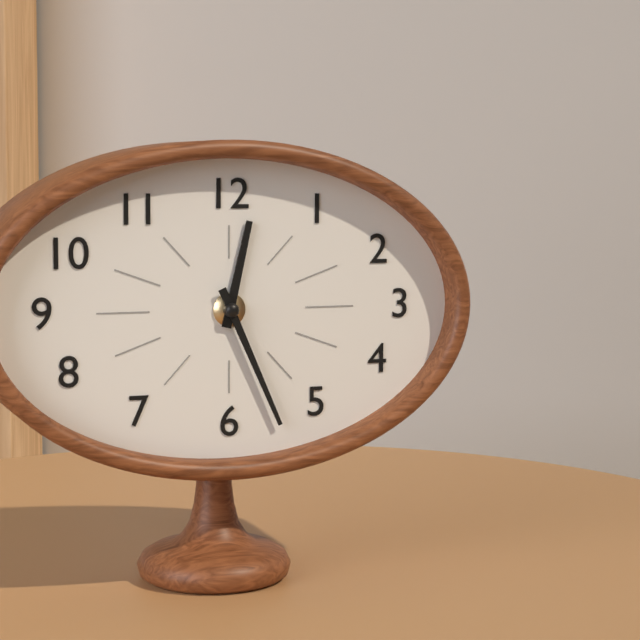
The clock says **12:26**
